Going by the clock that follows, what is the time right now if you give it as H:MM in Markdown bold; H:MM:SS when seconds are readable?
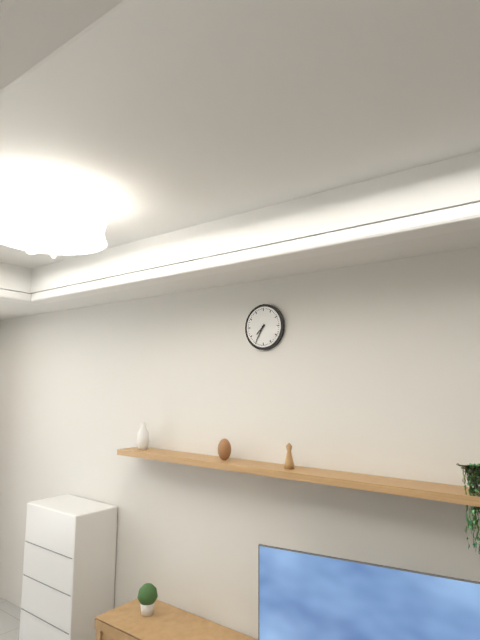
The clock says **7:35**
